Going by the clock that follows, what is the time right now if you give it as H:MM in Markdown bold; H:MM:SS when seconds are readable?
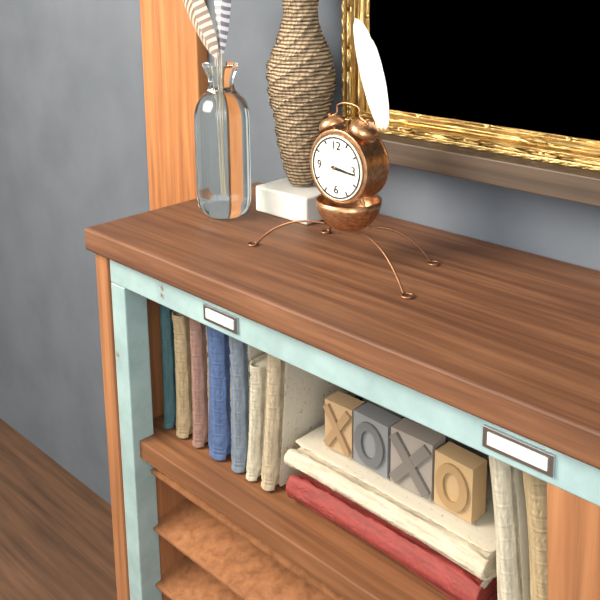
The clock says **3:16**
